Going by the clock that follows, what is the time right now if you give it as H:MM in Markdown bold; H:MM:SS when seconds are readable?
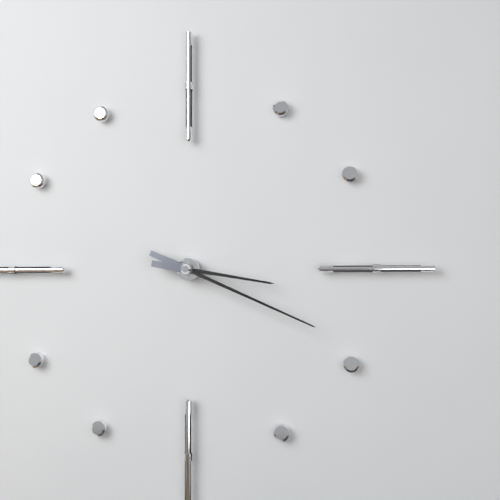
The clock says **3:19**
